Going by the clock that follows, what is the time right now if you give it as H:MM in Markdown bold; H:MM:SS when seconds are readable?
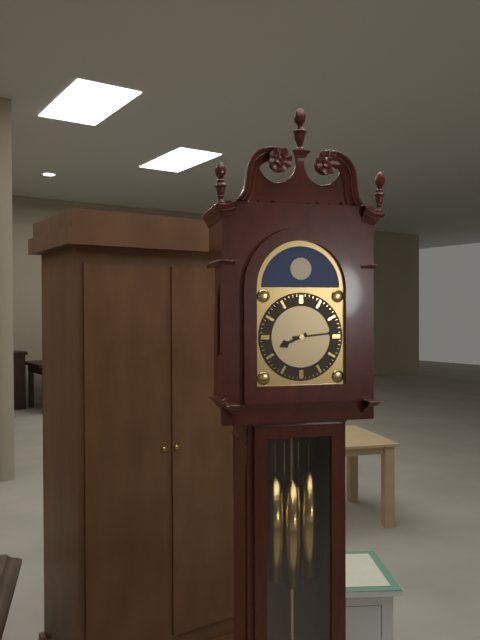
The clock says **8:14**
